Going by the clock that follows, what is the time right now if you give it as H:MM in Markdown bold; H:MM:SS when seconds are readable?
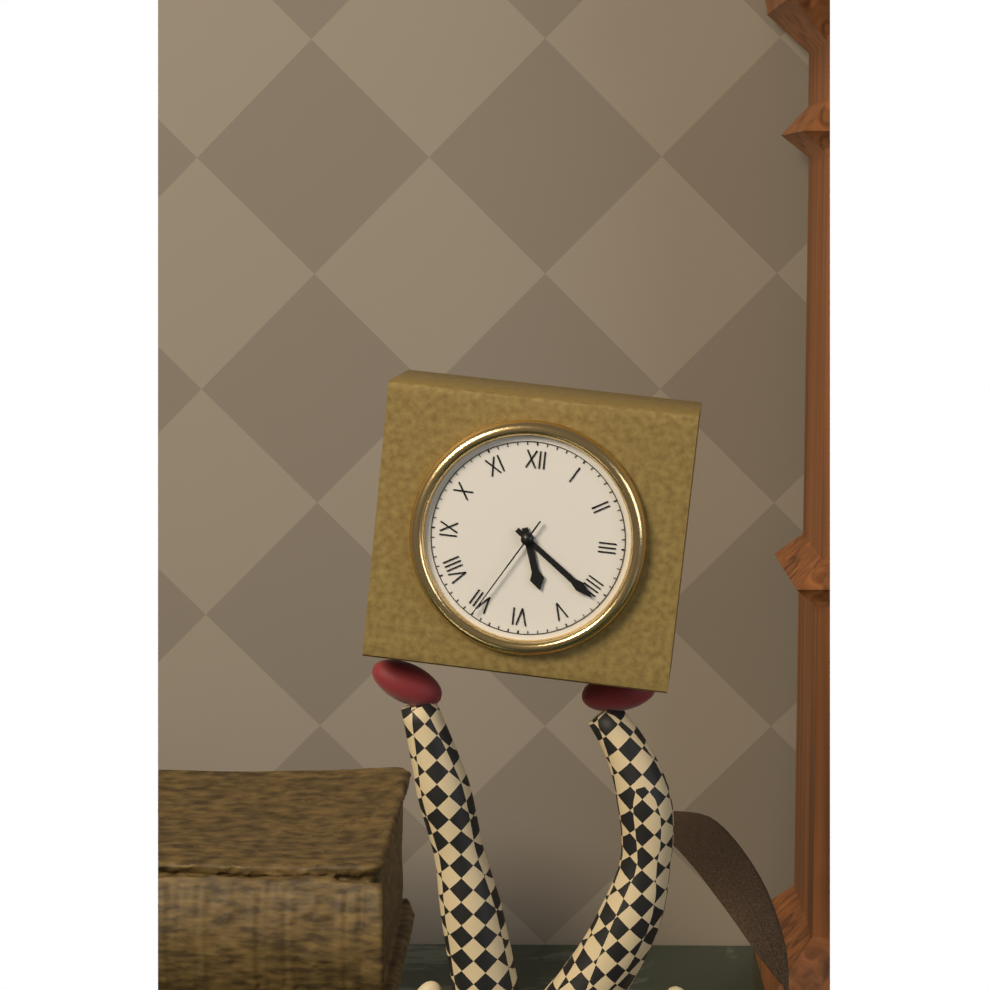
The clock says **5:21:35**
